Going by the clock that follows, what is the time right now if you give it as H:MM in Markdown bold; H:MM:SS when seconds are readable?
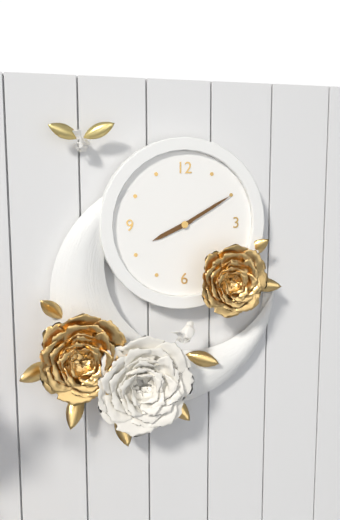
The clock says **8:10**
